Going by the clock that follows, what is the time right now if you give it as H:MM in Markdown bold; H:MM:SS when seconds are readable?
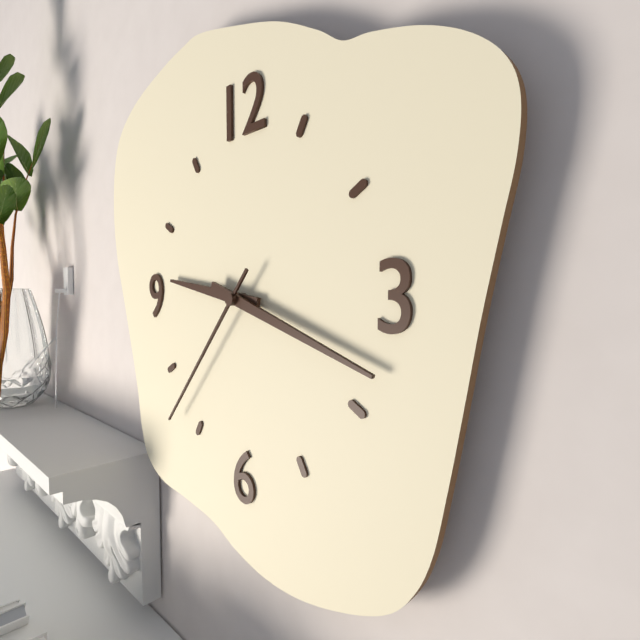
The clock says **9:18:37**
